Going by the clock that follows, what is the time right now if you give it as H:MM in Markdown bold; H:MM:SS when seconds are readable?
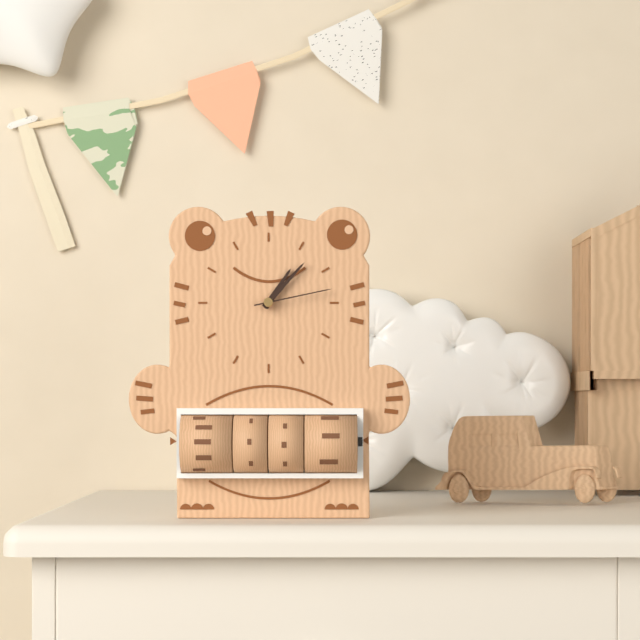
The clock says **1:07:13**
